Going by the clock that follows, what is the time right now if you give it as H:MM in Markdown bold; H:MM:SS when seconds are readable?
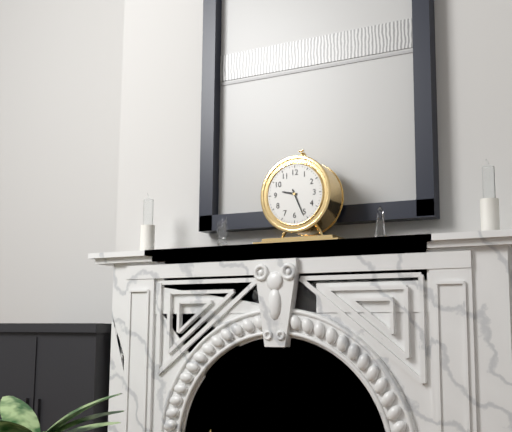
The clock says **9:26**
